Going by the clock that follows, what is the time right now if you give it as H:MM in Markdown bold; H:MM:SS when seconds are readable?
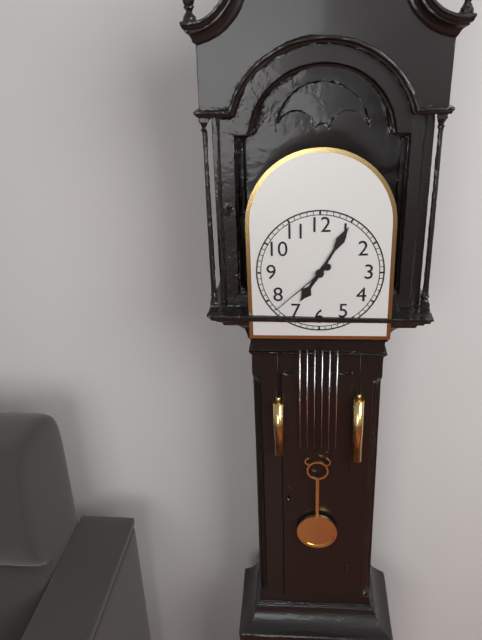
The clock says **7:05:38**
